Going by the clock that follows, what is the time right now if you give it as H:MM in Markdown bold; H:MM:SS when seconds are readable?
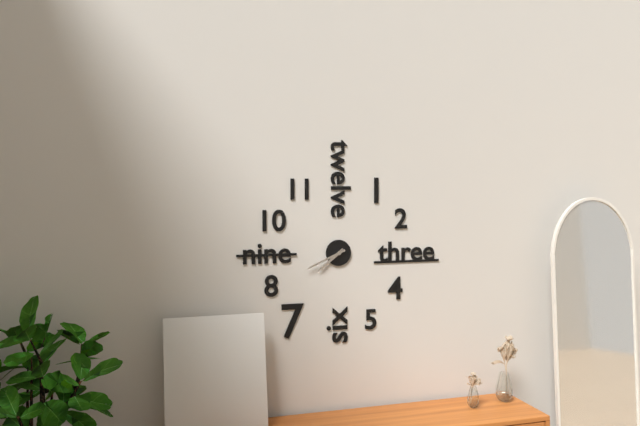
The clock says **7:41**
